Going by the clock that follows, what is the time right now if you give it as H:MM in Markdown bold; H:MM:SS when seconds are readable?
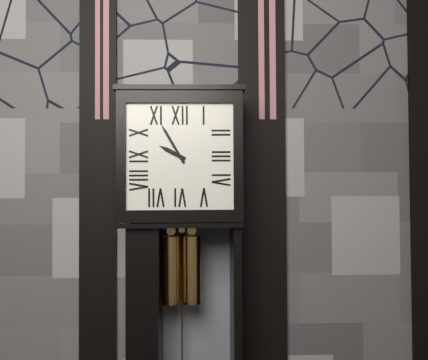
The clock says **9:55**
